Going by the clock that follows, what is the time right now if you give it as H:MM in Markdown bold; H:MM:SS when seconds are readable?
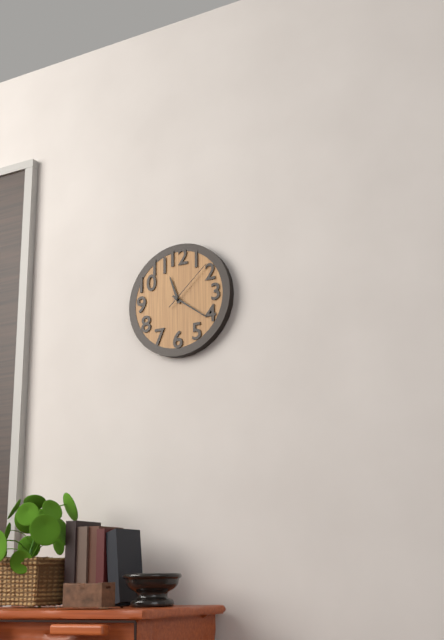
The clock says **11:21:08**
